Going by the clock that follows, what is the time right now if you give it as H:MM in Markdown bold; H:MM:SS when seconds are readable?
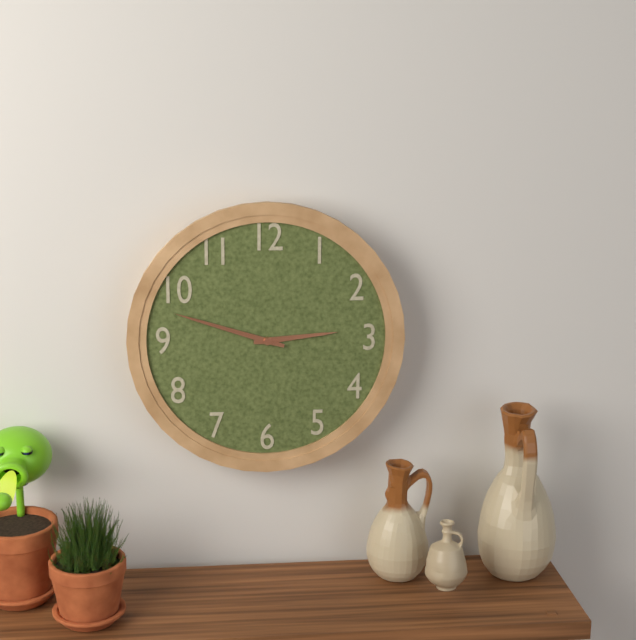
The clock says **2:48**
